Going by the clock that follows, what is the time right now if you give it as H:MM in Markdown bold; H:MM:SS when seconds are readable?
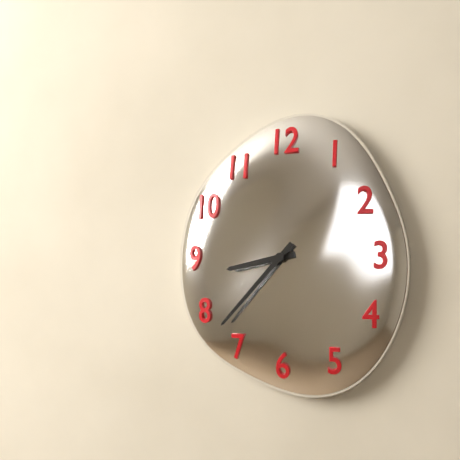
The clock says **8:37**
